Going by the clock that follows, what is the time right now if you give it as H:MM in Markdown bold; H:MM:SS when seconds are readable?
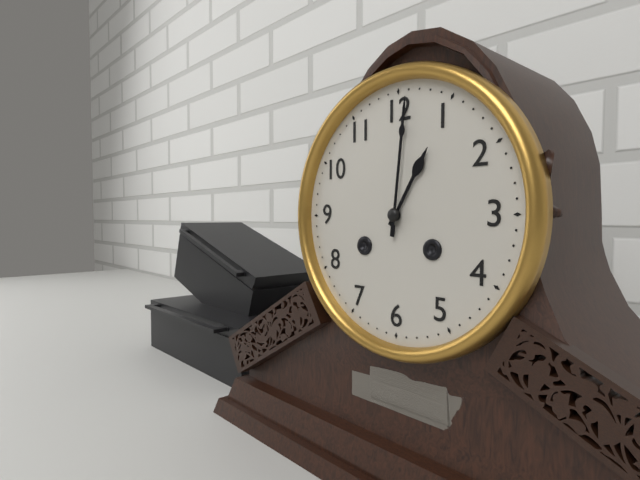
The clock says **1:01**
